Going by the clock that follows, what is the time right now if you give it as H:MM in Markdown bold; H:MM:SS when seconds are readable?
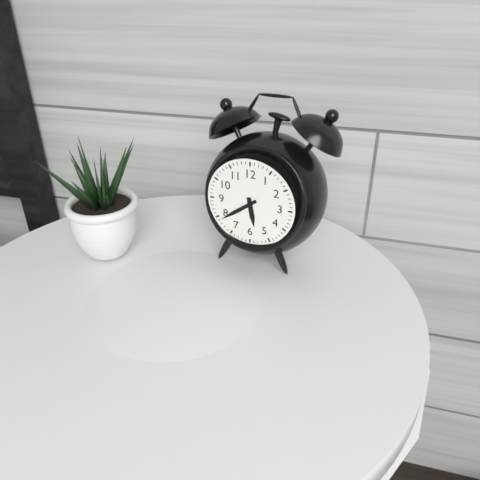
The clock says **5:39**
